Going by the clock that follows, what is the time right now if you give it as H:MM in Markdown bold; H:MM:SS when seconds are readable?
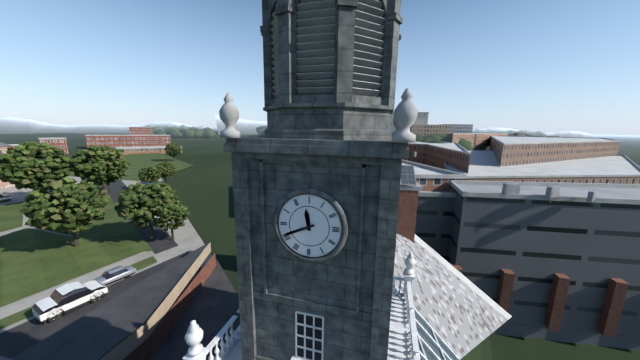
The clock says **11:41**
